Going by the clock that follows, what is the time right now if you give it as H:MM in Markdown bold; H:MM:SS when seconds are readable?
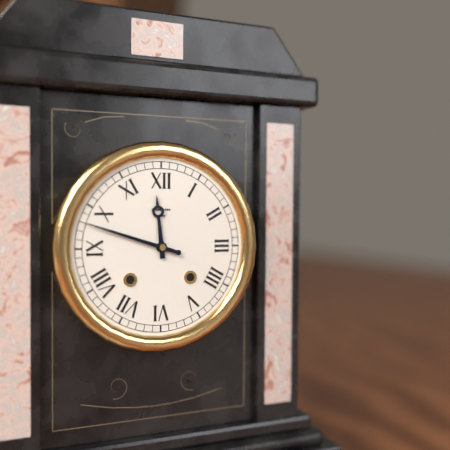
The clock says **11:48**
